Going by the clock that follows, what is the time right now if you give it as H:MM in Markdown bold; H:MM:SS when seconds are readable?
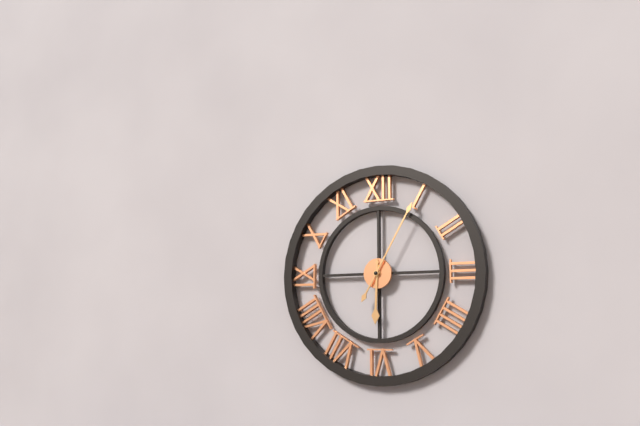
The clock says **6:05**
